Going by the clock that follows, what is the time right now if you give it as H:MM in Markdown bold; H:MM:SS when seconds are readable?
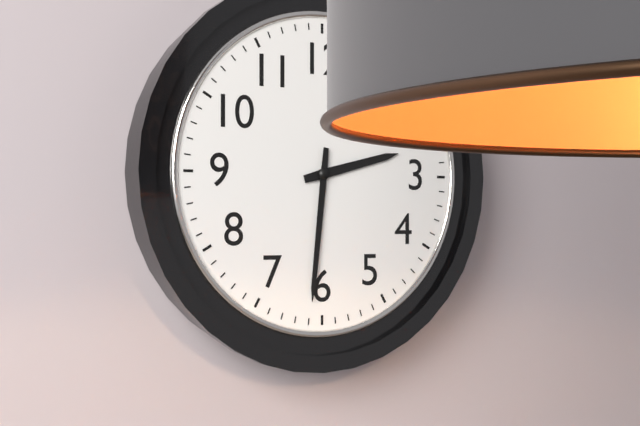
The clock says **2:31**
